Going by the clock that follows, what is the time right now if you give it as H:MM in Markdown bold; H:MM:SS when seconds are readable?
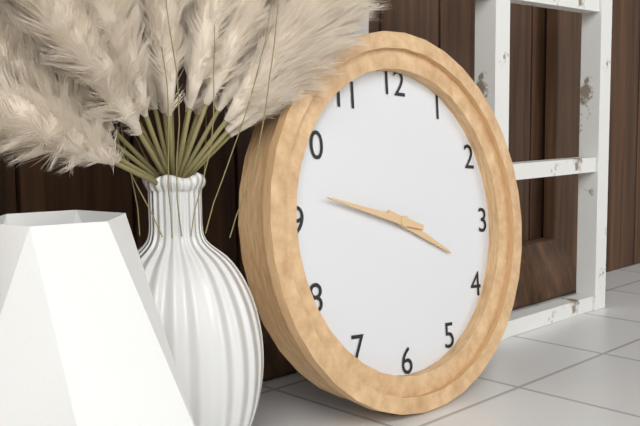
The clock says **3:47**
